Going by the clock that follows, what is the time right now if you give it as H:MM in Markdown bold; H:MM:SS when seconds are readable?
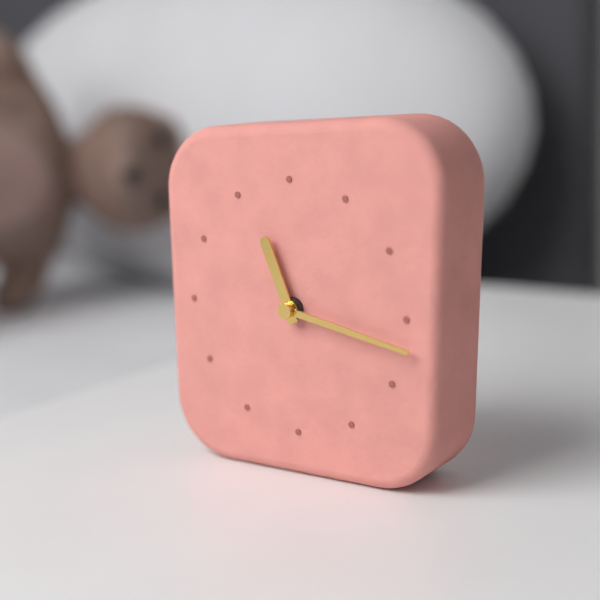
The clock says **11:17**
